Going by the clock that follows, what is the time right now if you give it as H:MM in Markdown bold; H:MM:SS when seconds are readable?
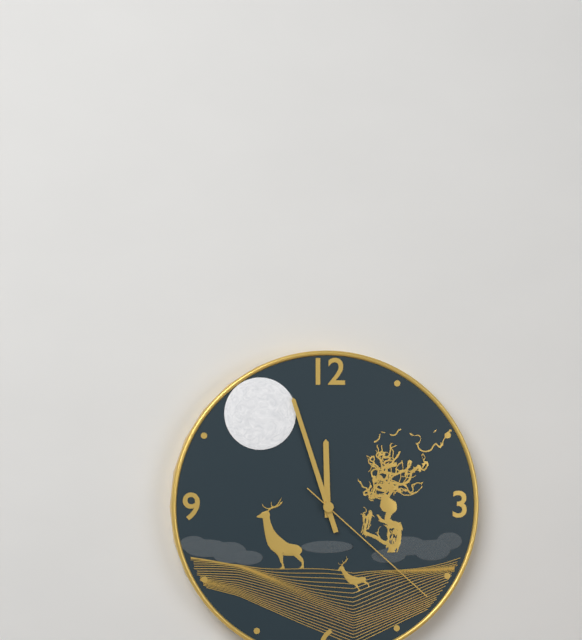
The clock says **11:57:22**
